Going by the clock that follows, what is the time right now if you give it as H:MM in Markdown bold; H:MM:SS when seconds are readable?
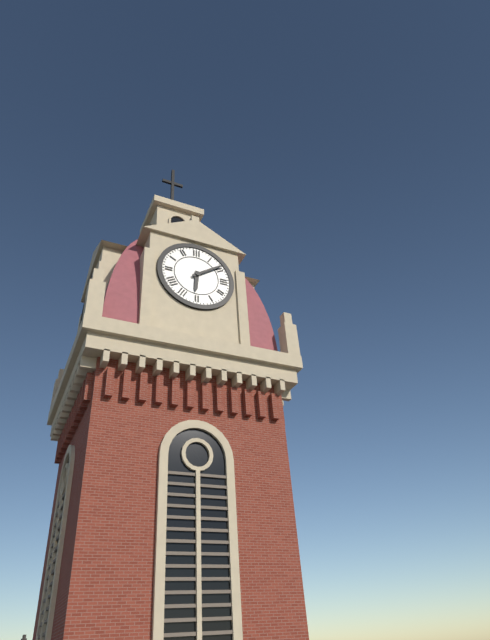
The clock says **6:09**
